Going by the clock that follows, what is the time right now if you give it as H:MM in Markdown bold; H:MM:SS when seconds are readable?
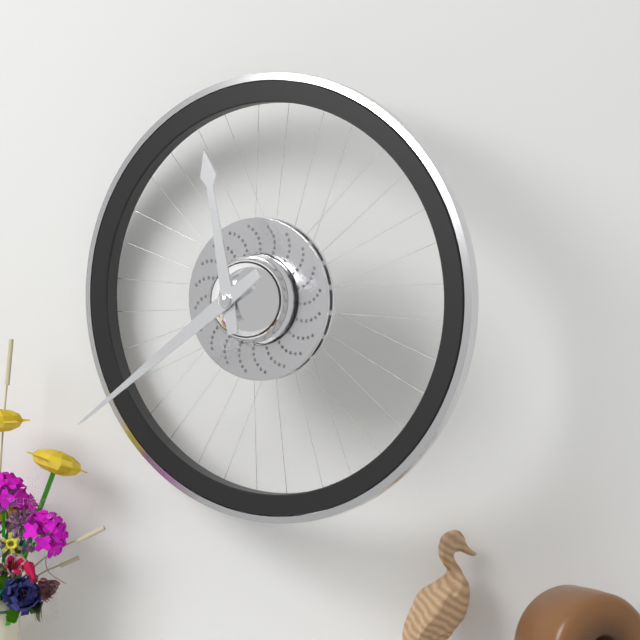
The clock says **11:39**
